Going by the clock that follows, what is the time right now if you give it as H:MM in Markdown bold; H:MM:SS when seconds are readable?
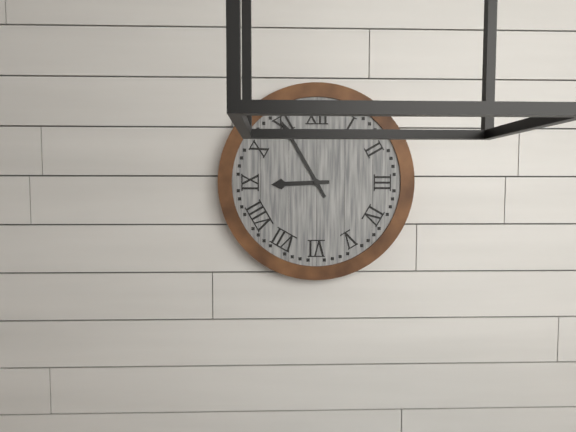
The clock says **8:55**
